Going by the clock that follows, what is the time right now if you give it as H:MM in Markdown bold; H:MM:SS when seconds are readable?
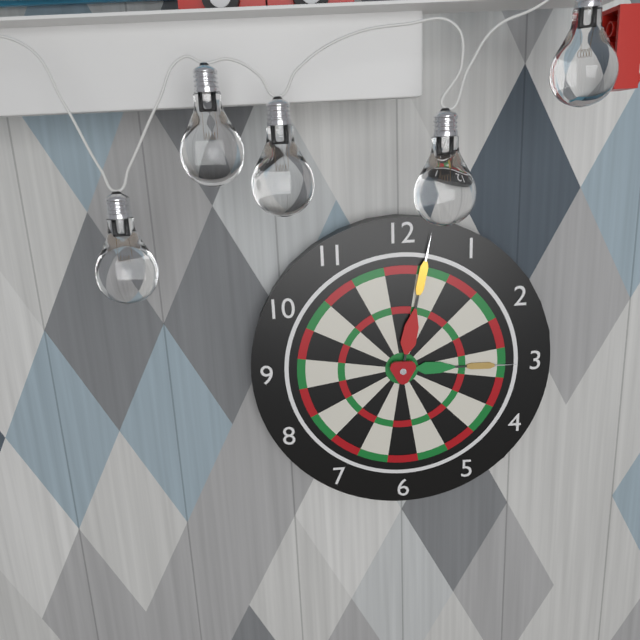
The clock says **3:02**
